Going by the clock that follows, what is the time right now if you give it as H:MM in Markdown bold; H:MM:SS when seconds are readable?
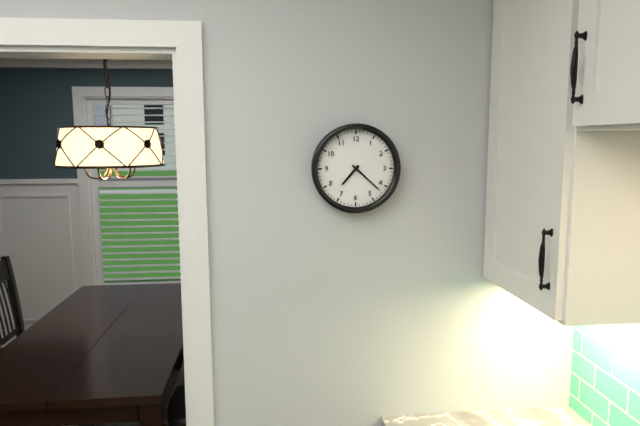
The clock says **7:22**
